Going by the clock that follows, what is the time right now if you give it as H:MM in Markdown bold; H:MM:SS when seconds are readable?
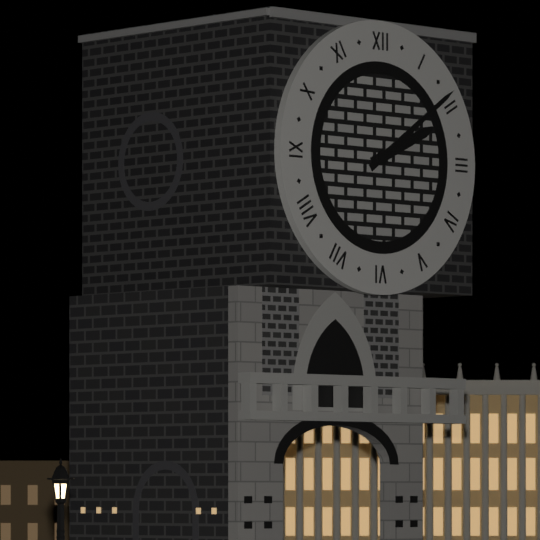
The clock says **2:09**
